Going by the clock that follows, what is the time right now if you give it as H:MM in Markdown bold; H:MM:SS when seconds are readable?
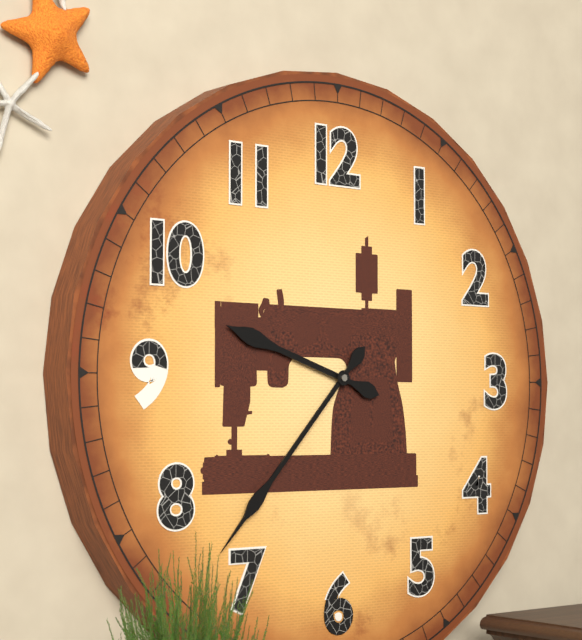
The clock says **9:37**
